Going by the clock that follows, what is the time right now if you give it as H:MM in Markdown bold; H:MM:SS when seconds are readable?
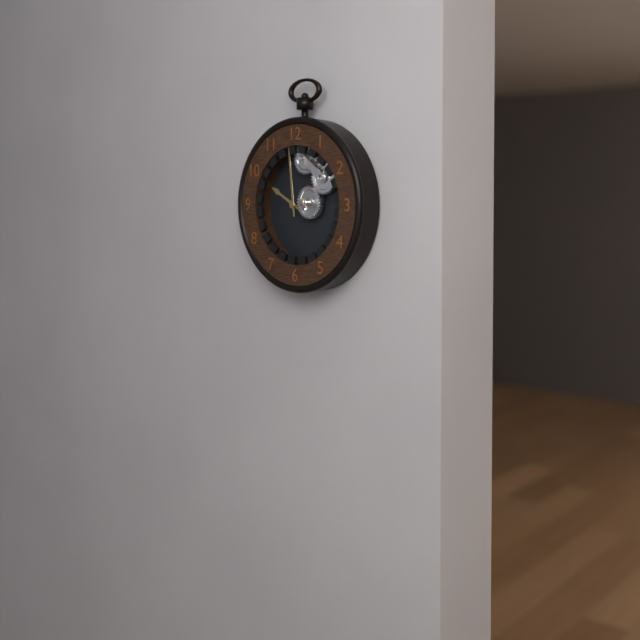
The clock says **9:59**
